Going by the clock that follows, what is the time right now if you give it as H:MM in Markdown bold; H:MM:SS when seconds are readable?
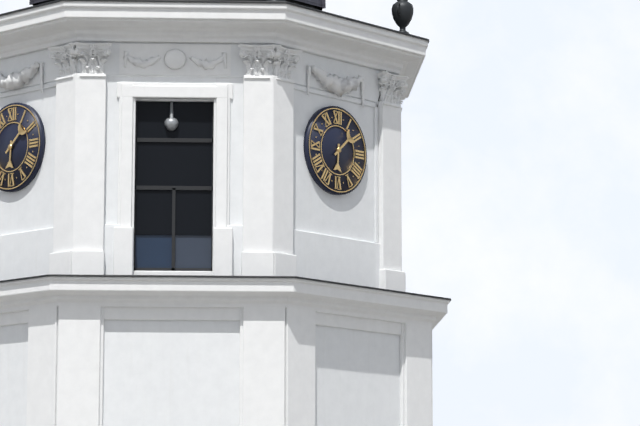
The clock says **6:08**
